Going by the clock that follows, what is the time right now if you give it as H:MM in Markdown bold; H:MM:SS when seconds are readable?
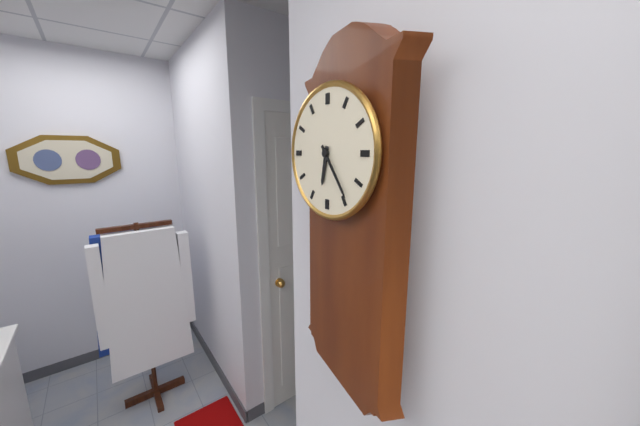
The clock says **6:24**
